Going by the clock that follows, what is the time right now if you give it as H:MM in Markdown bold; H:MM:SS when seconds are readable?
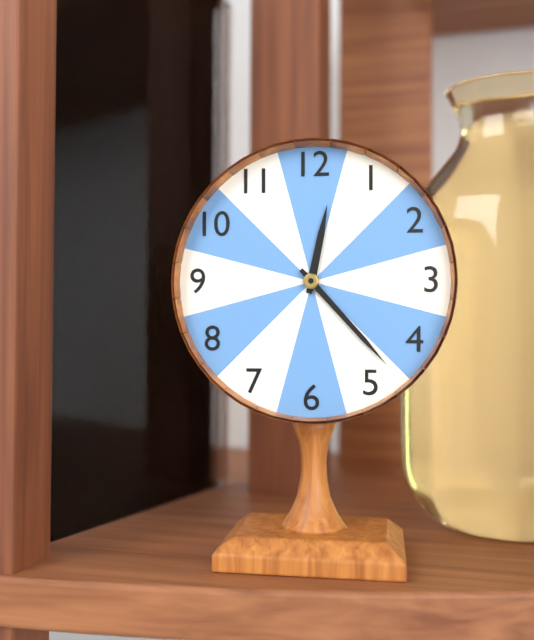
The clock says **12:23**
